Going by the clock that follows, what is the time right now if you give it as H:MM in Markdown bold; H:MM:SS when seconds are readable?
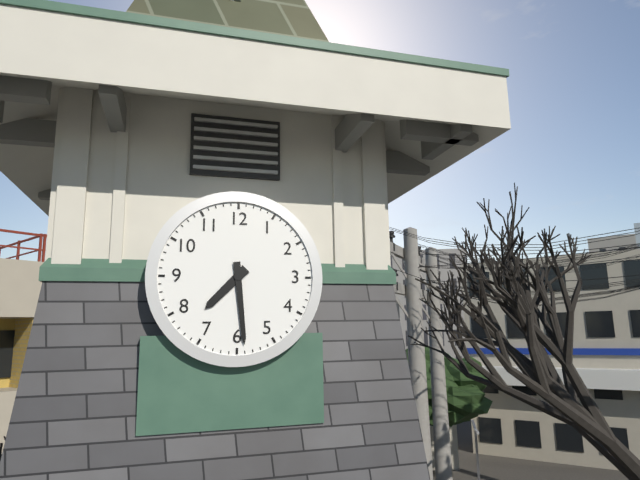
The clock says **7:29**
